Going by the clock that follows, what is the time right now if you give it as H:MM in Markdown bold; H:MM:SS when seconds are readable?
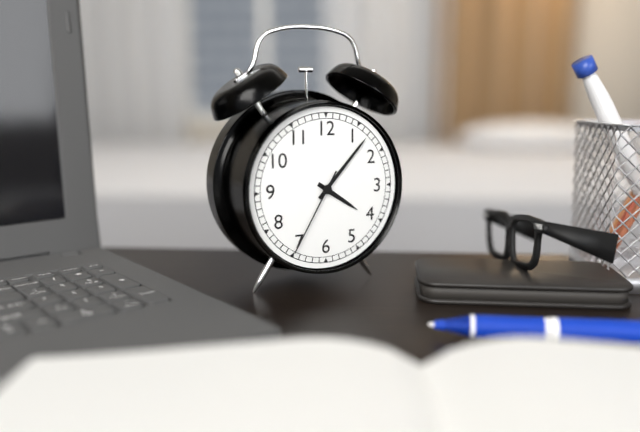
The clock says **4:07:35**
